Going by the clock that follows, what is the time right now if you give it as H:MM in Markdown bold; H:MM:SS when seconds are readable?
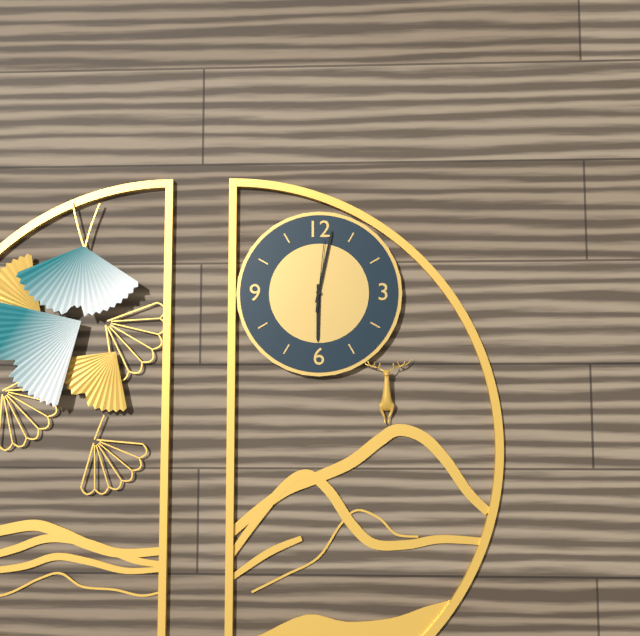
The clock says **6:02:01**
